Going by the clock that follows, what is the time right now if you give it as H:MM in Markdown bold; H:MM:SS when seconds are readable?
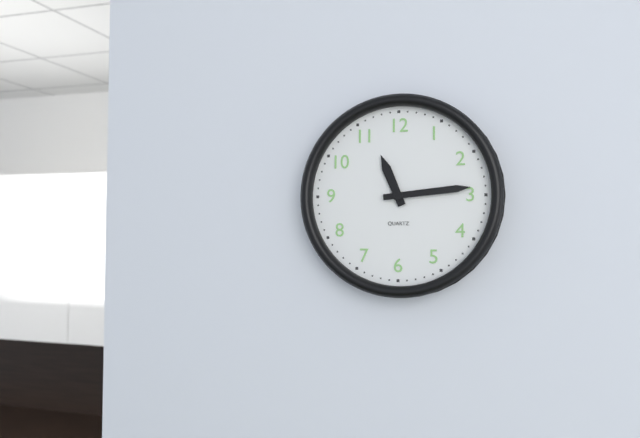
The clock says **11:14**
